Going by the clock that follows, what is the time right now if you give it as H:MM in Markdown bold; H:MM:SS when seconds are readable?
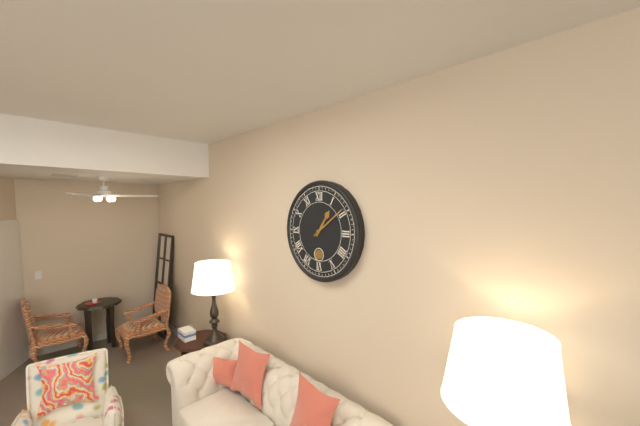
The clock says **1:09**
